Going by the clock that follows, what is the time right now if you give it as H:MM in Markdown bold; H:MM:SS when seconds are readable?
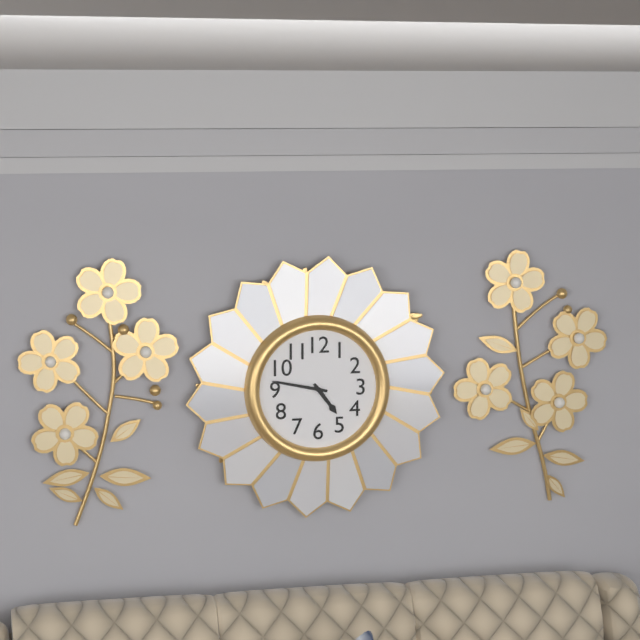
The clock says **4:47**
